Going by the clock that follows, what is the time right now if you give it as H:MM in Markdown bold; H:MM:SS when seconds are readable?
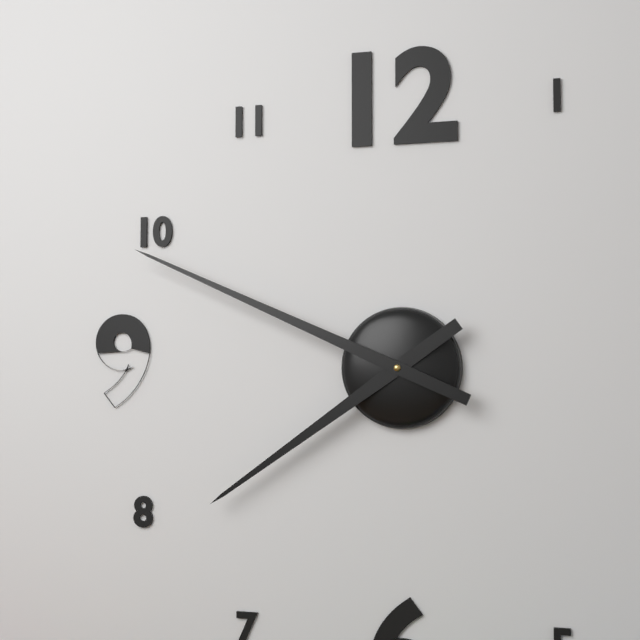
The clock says **7:49**
